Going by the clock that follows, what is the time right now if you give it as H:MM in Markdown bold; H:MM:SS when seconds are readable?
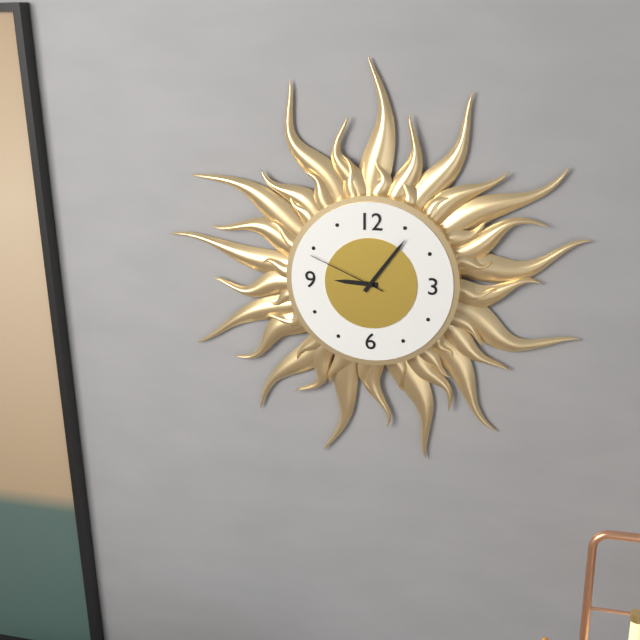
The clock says **9:06:49**
